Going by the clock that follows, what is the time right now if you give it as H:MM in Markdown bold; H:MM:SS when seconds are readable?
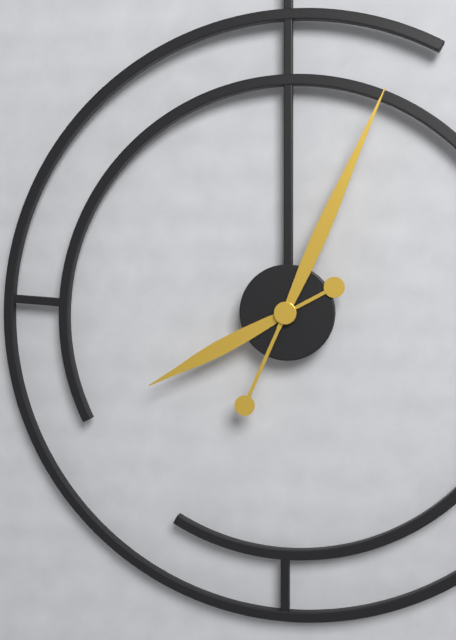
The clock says **8:04**
